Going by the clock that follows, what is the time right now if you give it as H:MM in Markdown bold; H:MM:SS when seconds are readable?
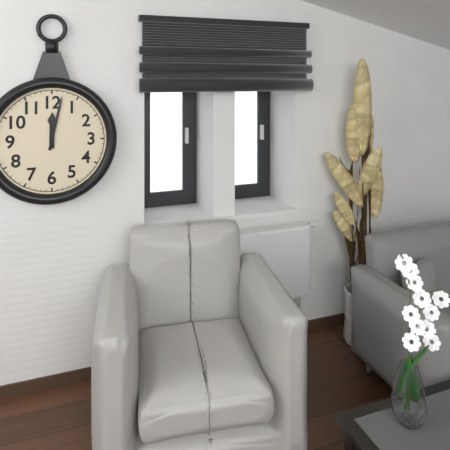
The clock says **12:02**
